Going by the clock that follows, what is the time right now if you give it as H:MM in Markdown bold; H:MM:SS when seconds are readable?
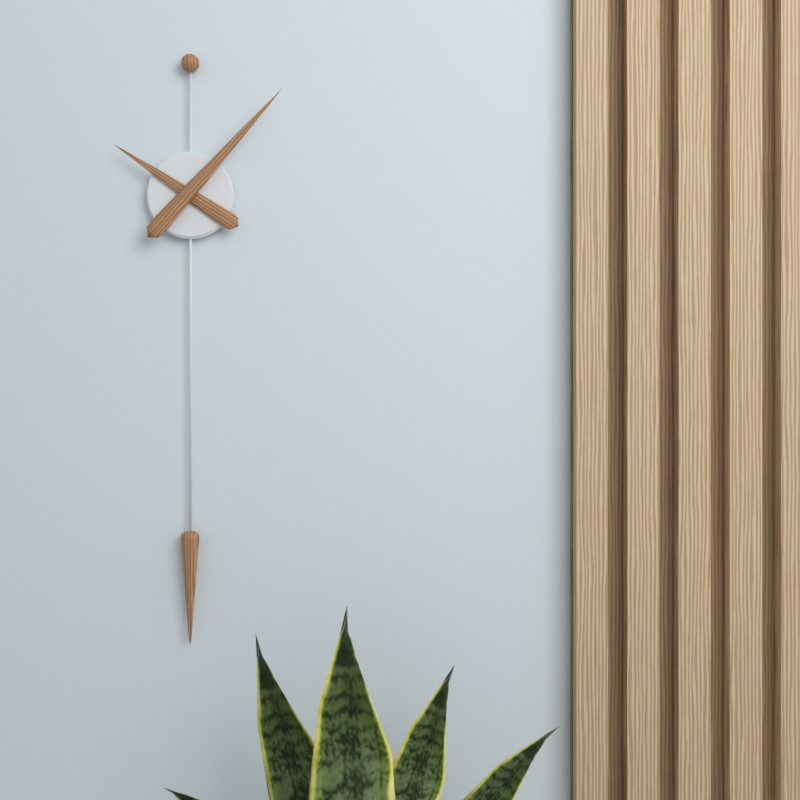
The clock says **10:07**
